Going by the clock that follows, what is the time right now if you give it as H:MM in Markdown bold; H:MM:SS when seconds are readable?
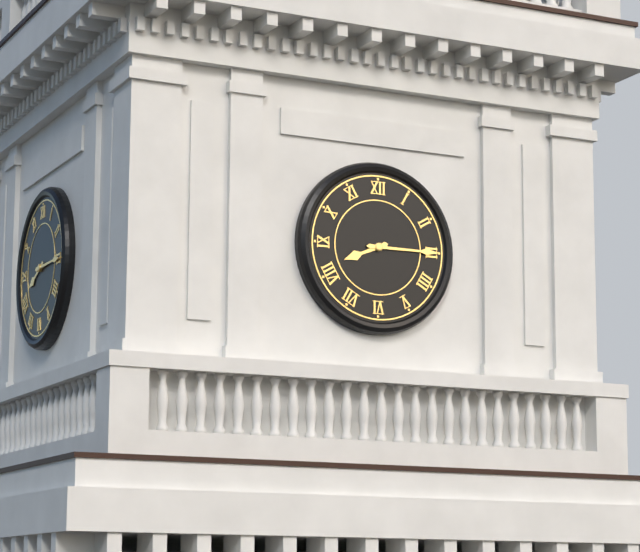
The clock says **8:15**
